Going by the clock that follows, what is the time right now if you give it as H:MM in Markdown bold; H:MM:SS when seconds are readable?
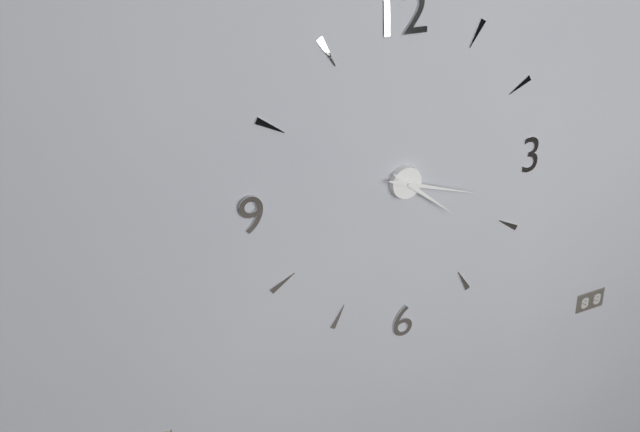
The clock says **4:18**
